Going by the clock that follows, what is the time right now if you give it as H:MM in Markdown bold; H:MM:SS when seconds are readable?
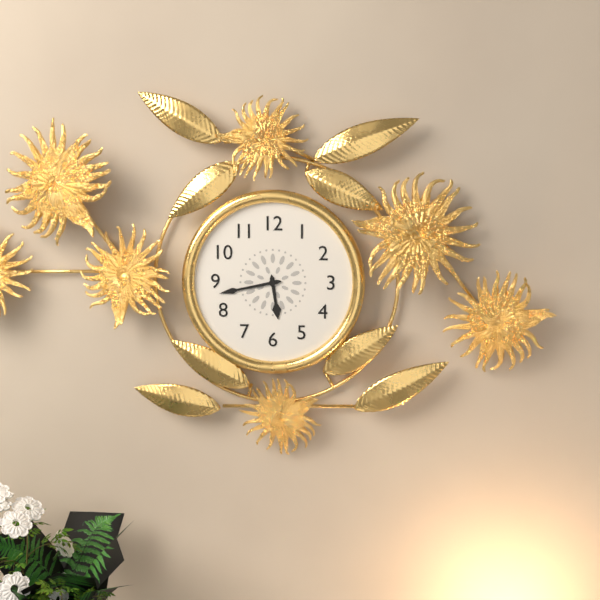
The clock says **5:43**
